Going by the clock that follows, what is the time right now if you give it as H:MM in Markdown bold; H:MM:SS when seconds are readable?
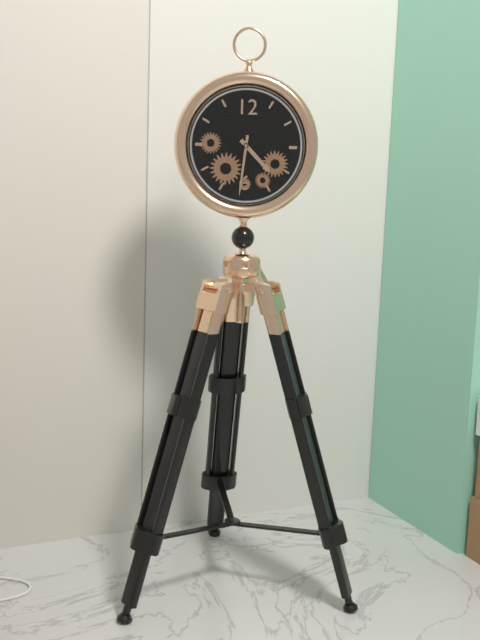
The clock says **4:31**
